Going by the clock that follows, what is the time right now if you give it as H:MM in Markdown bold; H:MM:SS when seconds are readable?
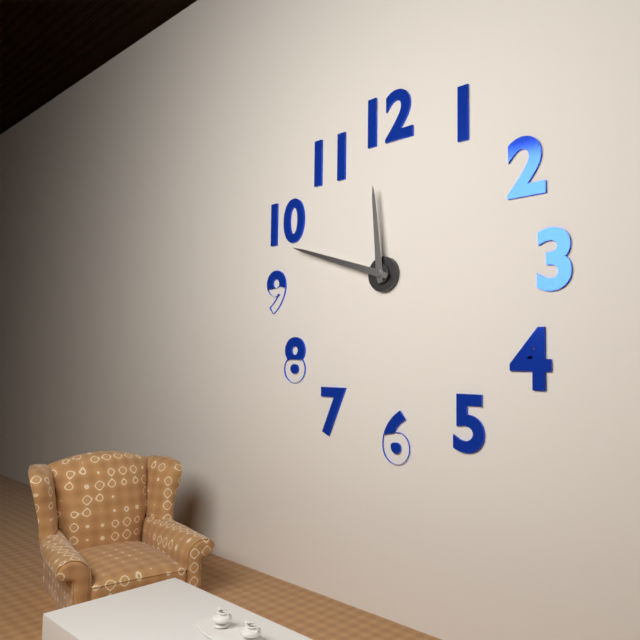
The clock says **11:48**
